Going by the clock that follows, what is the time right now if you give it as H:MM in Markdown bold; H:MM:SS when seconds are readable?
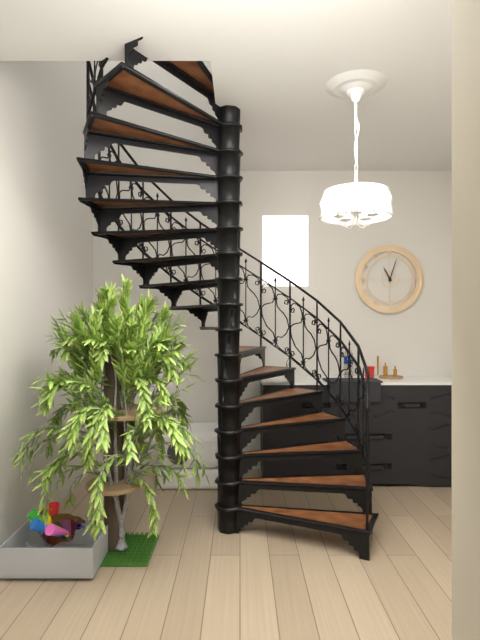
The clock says **11:03**
